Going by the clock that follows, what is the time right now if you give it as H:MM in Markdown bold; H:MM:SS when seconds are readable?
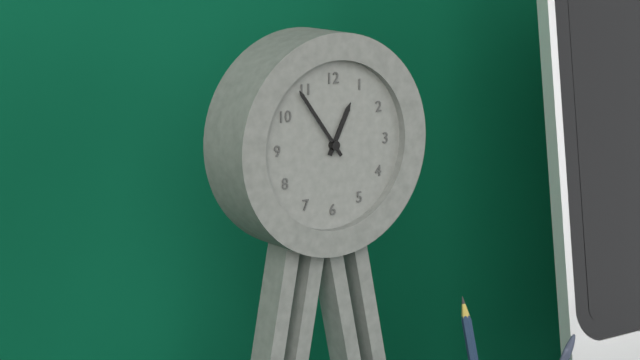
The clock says **12:54**
